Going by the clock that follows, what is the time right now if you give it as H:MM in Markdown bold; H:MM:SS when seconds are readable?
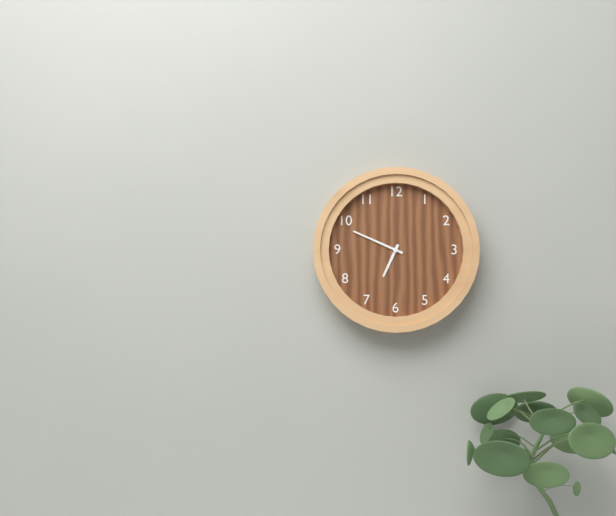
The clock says **6:49**
